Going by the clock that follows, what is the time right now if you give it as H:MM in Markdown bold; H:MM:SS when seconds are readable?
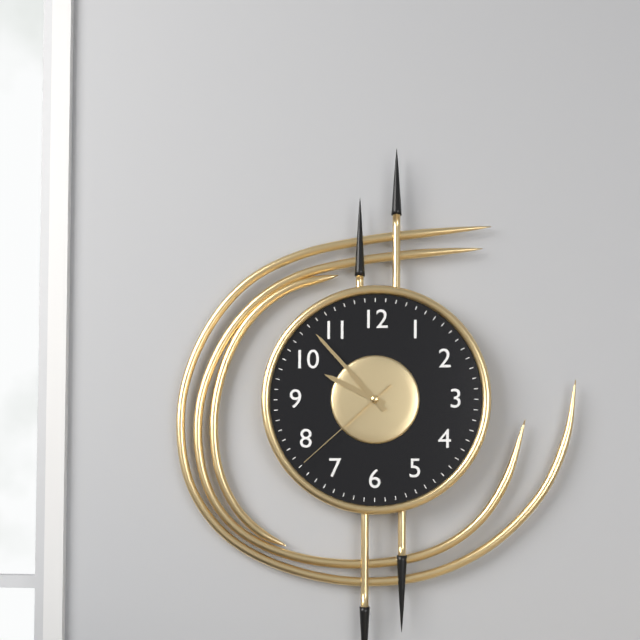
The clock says **9:53:38**
